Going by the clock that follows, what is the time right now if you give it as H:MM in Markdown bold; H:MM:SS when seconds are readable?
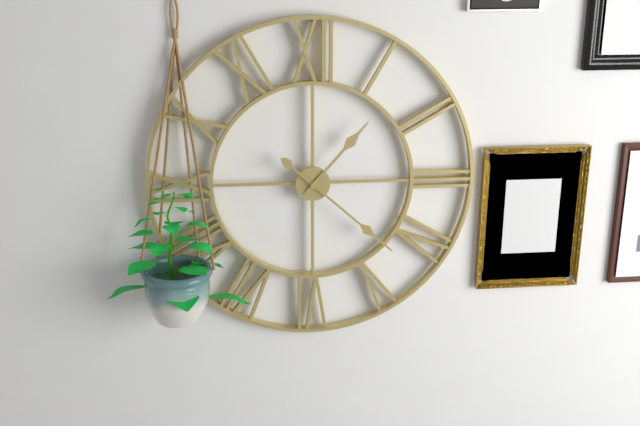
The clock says **1:22**
